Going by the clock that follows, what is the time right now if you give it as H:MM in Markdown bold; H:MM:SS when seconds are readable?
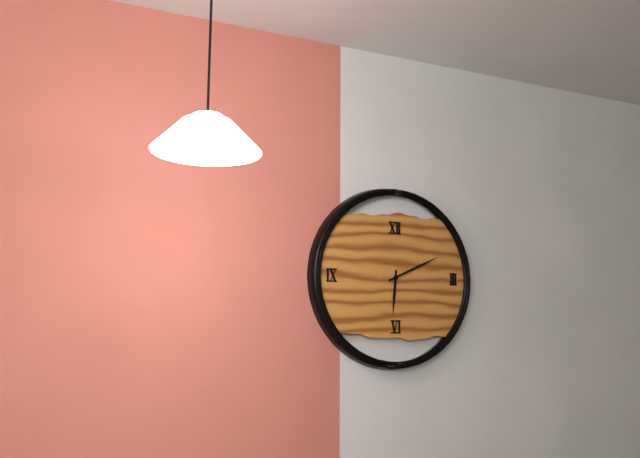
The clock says **6:11**
